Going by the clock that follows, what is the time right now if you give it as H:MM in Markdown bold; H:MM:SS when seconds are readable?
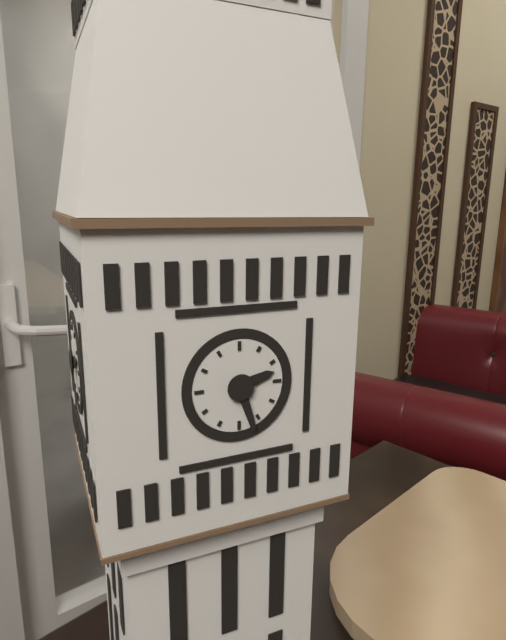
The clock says **2:27**
